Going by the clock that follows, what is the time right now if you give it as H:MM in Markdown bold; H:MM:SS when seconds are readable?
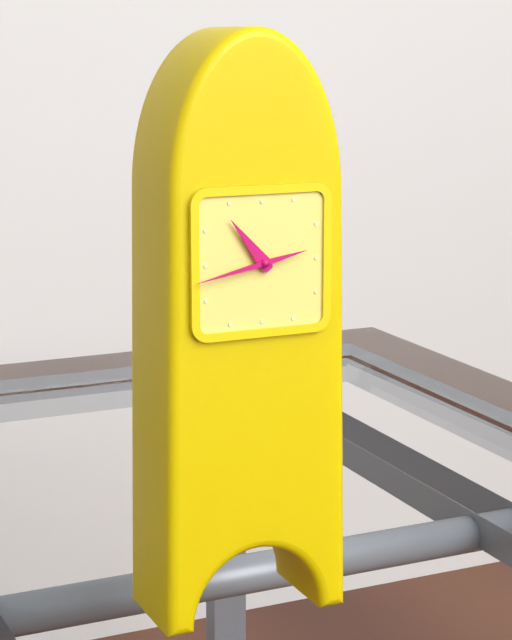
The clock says **10:43**
